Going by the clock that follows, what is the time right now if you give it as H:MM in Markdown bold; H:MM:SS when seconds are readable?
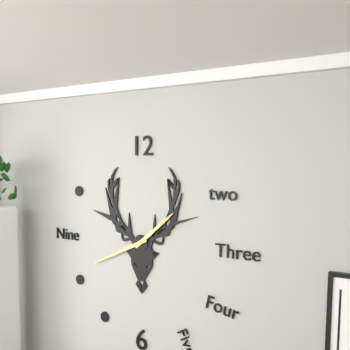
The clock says **1:41**
